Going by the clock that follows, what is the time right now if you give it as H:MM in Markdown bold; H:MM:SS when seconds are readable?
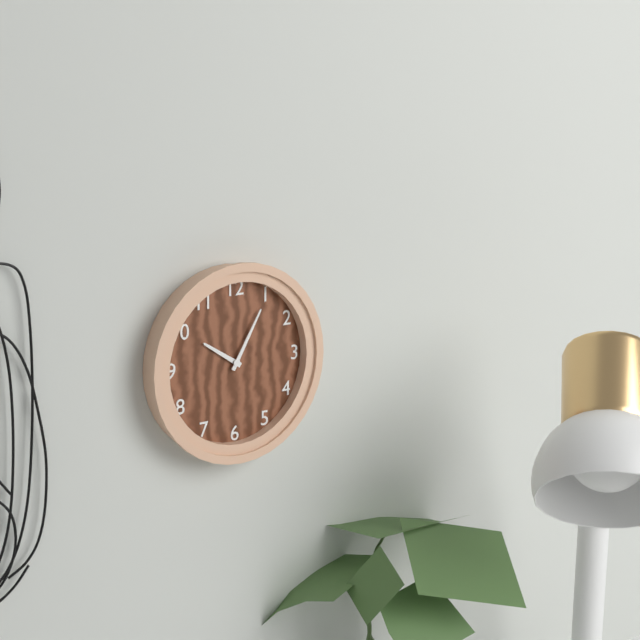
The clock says **10:05**
